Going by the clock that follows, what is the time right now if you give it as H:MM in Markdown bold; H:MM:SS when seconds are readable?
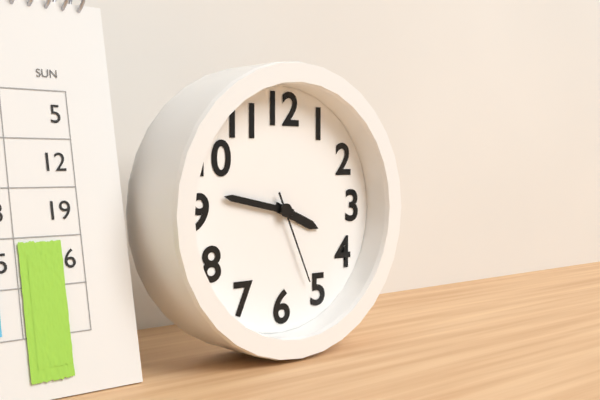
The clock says **3:47:26**
